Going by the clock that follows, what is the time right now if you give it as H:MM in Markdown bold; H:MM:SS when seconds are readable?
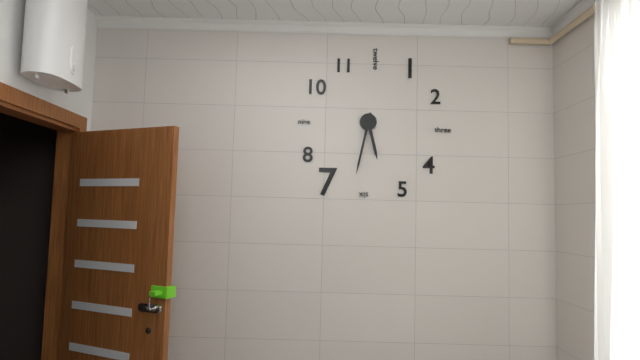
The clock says **5:32**
